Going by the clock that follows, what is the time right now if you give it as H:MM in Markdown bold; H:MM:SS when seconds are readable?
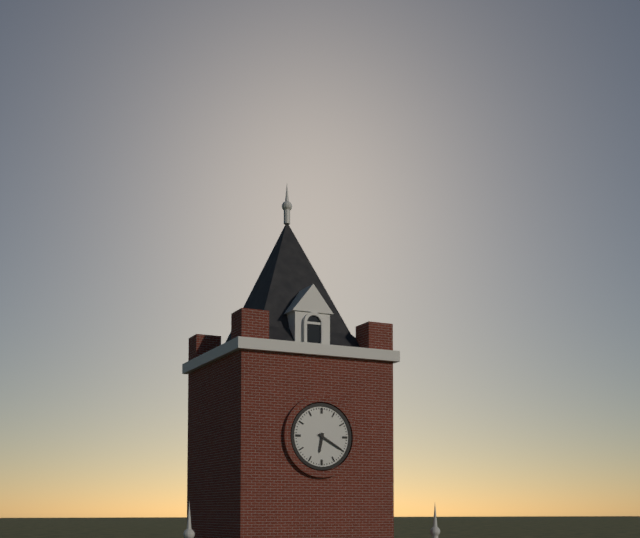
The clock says **6:20**
